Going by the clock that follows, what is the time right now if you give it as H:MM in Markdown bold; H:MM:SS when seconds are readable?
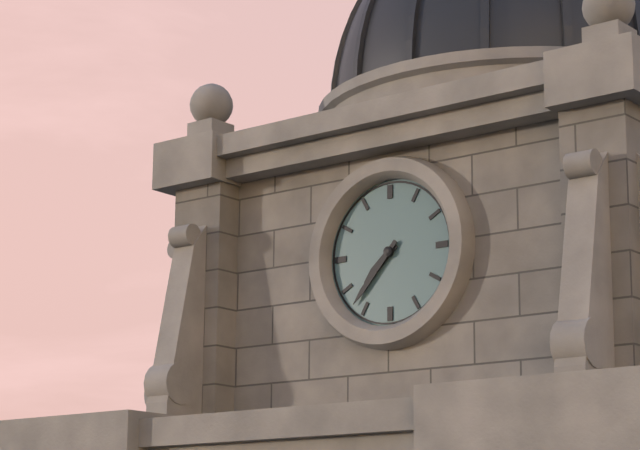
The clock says **7:37**
